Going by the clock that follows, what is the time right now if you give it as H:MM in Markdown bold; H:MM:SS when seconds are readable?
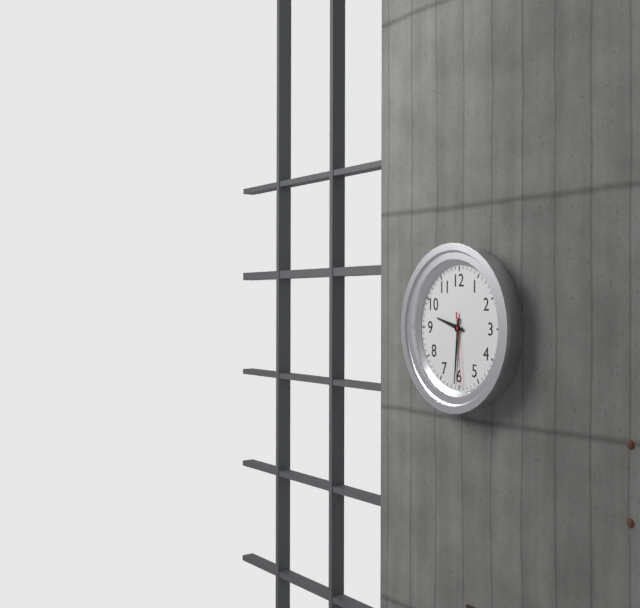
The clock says **9:31:29**
